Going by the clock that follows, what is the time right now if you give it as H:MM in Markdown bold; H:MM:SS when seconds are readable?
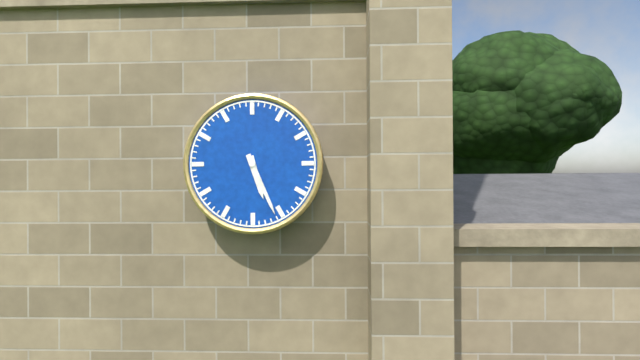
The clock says **5:26**
